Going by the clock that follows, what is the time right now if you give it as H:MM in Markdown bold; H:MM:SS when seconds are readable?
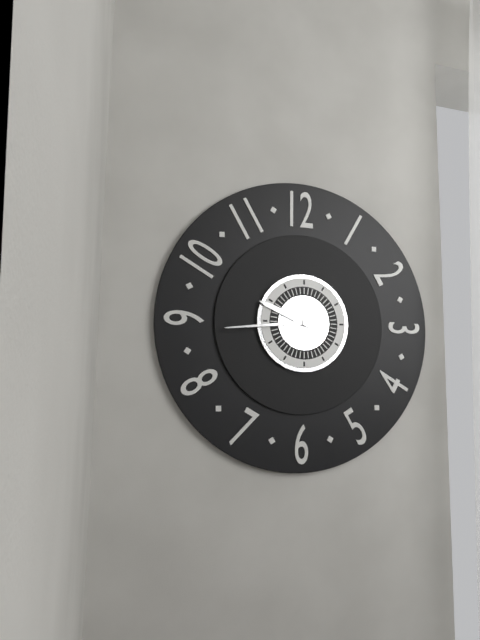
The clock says **9:44**
